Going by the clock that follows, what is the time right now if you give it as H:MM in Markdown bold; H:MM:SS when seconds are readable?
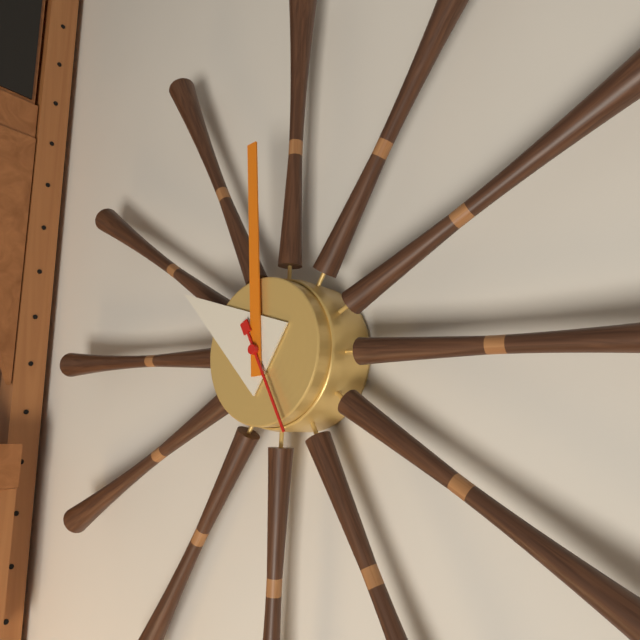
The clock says **9:59:25**
